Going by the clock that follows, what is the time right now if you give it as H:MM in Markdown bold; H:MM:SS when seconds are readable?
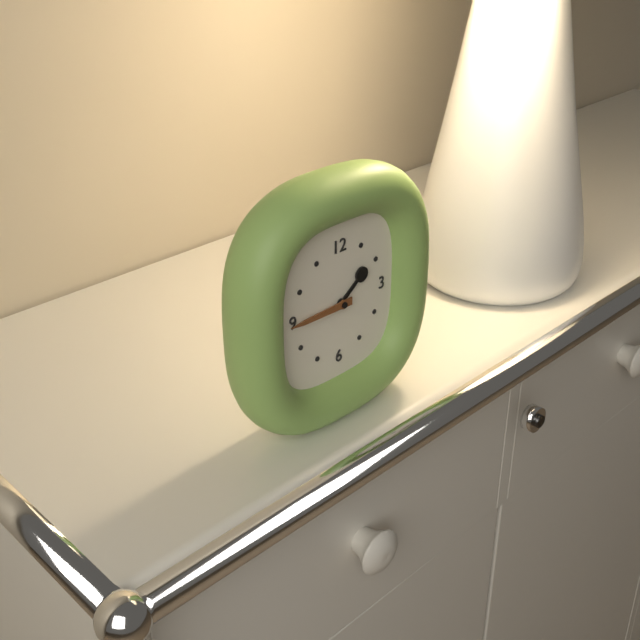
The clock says **1:45**
